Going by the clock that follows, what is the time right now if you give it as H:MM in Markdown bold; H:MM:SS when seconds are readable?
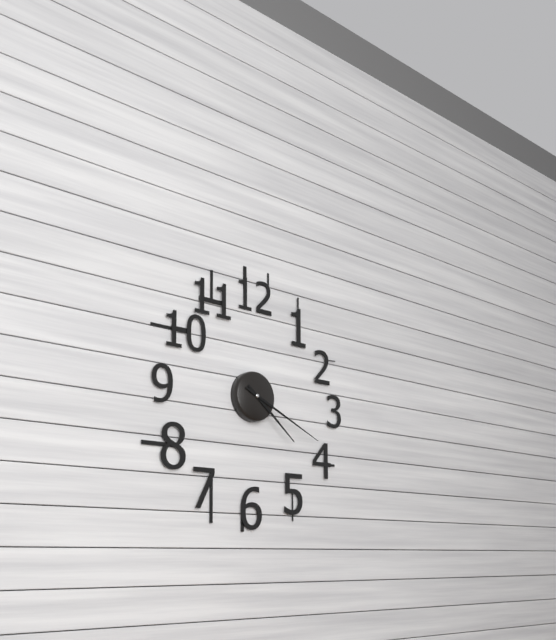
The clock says **4:19**
